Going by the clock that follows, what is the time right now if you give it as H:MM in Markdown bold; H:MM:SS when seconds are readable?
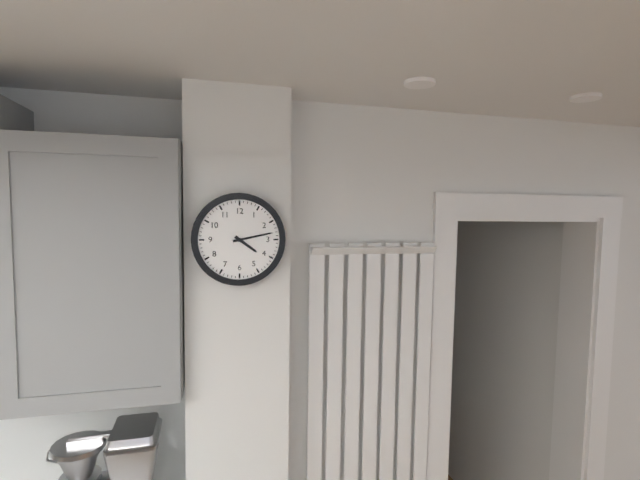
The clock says **4:13**
